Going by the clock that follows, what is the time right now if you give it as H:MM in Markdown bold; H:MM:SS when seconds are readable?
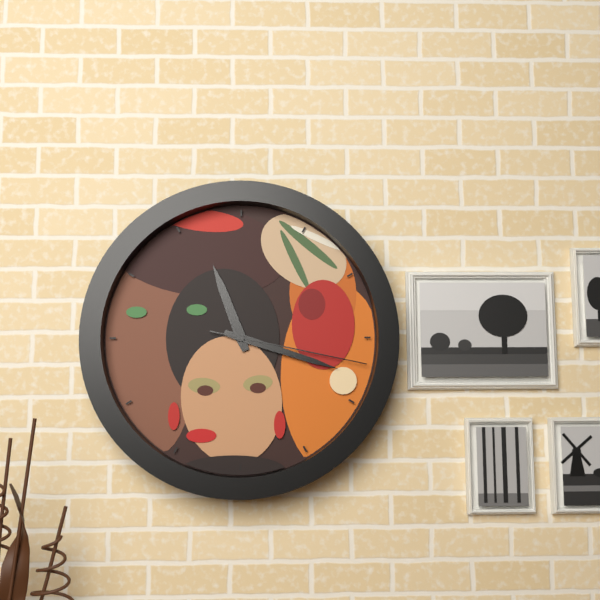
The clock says **11:18:17**
